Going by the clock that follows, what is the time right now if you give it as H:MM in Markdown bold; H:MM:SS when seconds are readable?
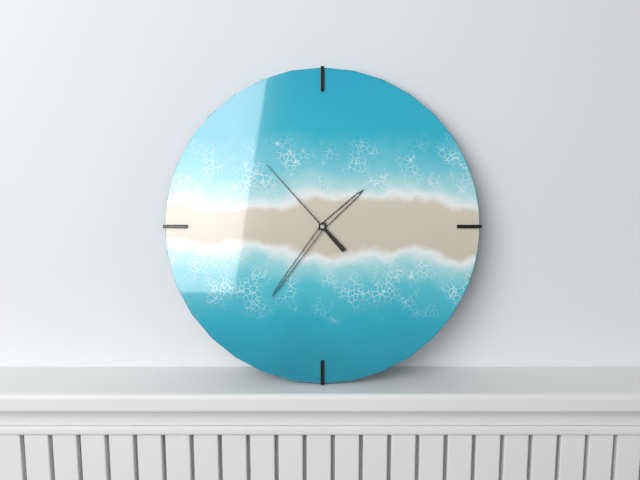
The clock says **1:36:53**
